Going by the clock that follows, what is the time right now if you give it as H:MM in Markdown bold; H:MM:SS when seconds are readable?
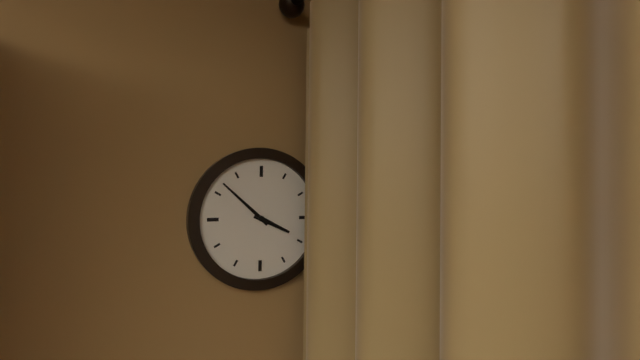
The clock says **3:52**
